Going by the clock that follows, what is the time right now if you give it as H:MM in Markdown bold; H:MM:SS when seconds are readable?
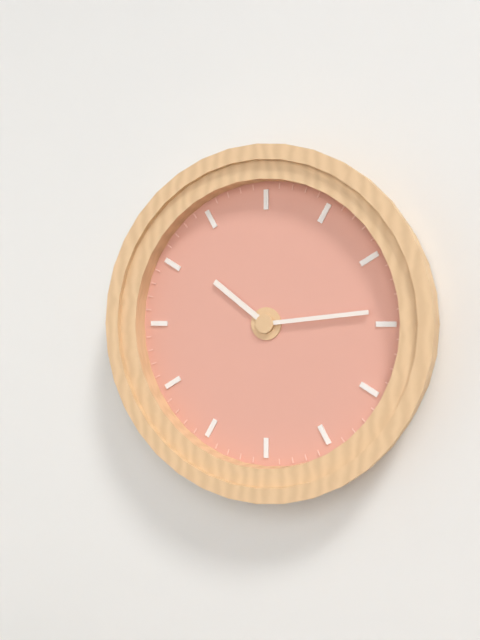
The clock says **10:14**
